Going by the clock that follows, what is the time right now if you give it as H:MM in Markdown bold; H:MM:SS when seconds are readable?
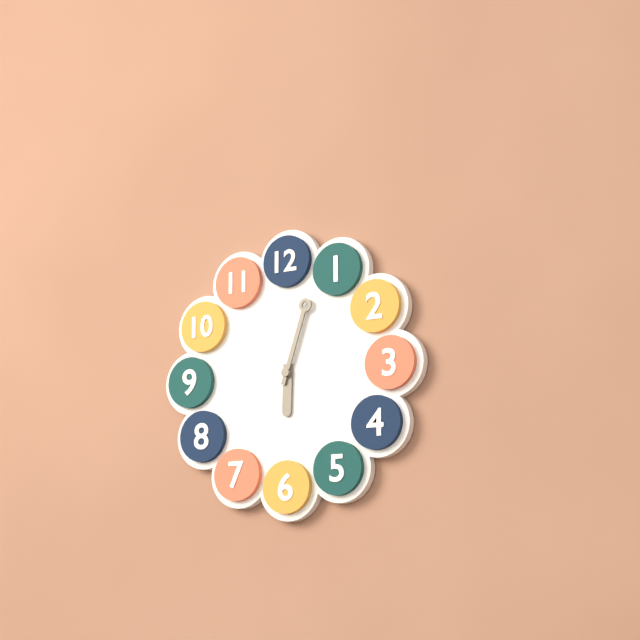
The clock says **6:03**
